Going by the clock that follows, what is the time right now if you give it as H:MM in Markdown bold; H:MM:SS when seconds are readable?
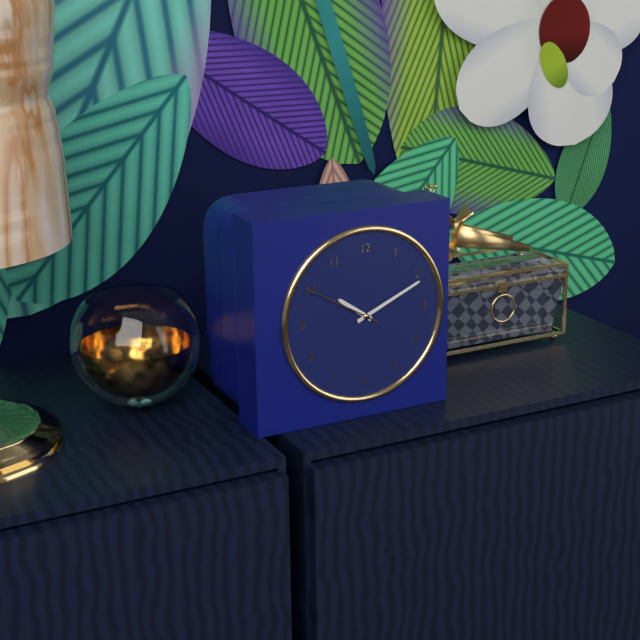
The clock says **10:11:50**
